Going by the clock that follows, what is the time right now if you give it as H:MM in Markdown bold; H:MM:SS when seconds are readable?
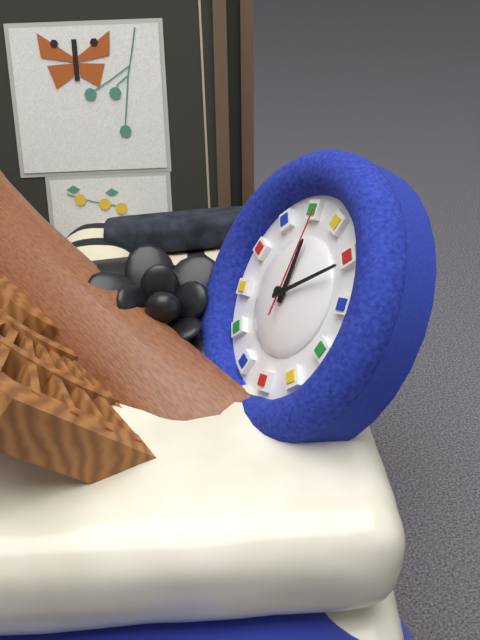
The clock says **1:16:07**
